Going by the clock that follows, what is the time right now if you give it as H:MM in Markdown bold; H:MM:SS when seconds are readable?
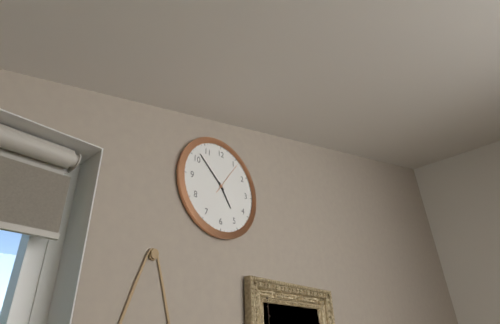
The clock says **4:52**
